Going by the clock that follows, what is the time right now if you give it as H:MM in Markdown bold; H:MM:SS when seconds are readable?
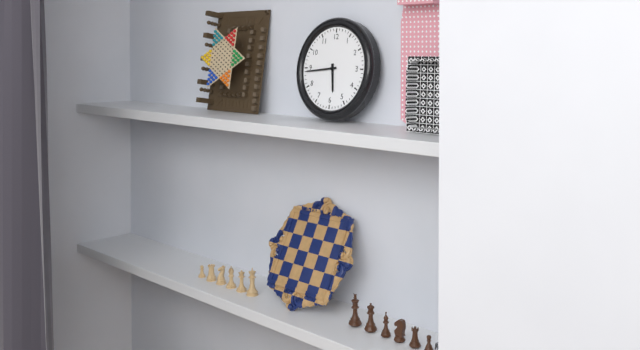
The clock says **5:44**
